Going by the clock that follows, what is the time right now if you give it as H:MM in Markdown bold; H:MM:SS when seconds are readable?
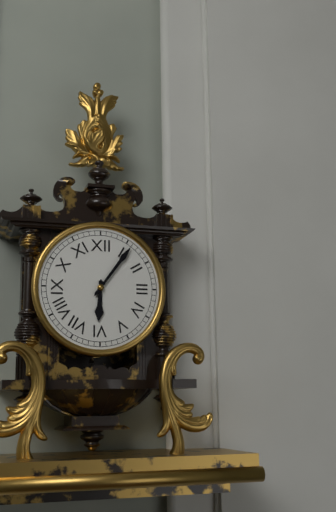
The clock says **6:06**
